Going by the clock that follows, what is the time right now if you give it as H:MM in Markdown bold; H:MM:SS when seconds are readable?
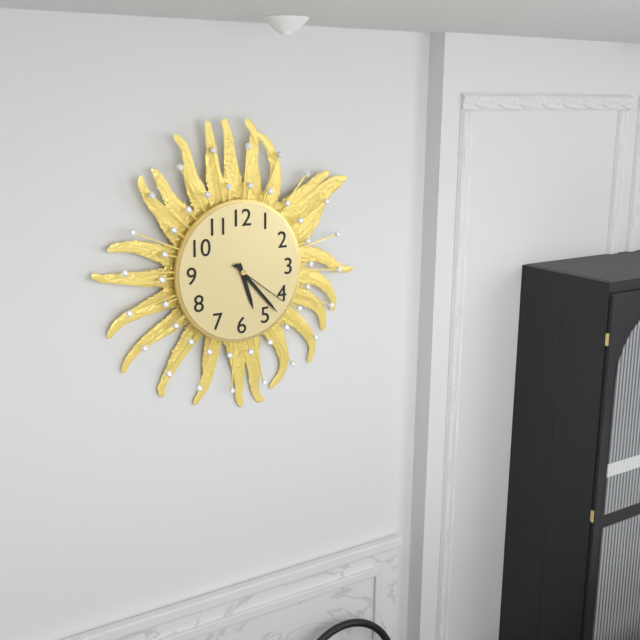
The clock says **5:23:21**
